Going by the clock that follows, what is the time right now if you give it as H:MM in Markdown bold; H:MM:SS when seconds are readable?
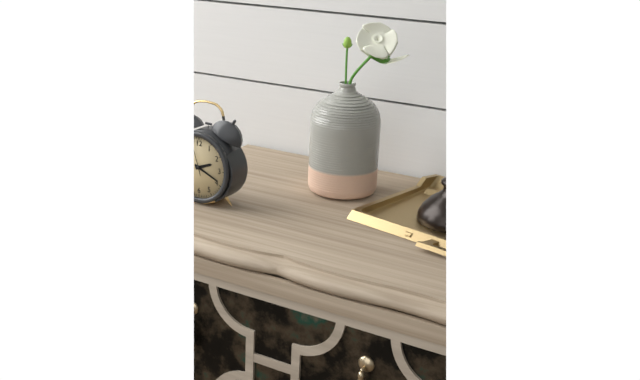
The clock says **2:19**
